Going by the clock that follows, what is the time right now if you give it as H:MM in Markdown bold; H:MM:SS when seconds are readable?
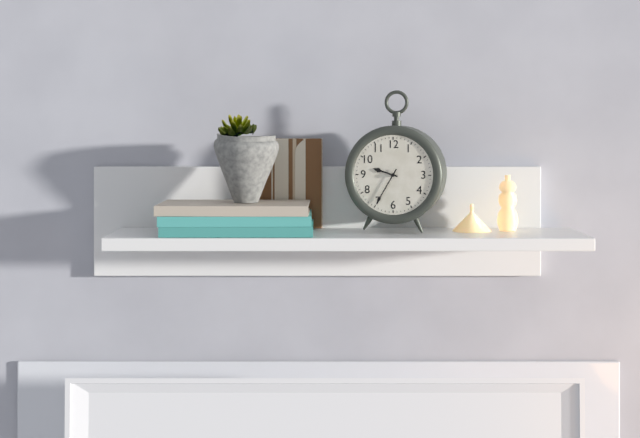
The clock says **9:35**
